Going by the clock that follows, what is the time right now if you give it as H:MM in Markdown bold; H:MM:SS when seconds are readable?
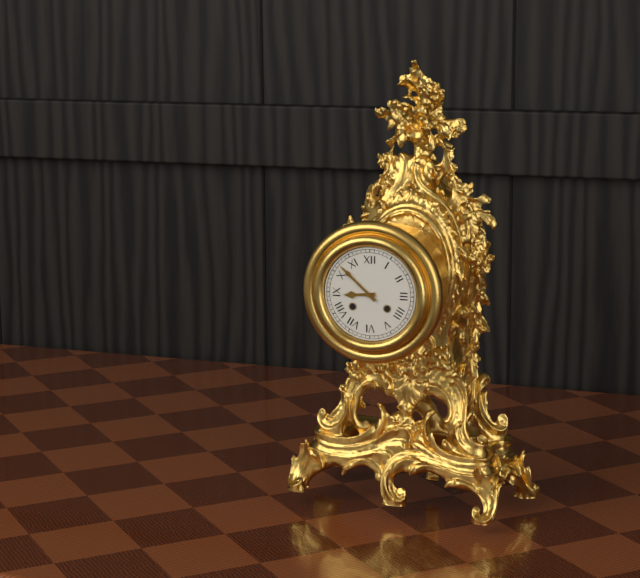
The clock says **8:52**
